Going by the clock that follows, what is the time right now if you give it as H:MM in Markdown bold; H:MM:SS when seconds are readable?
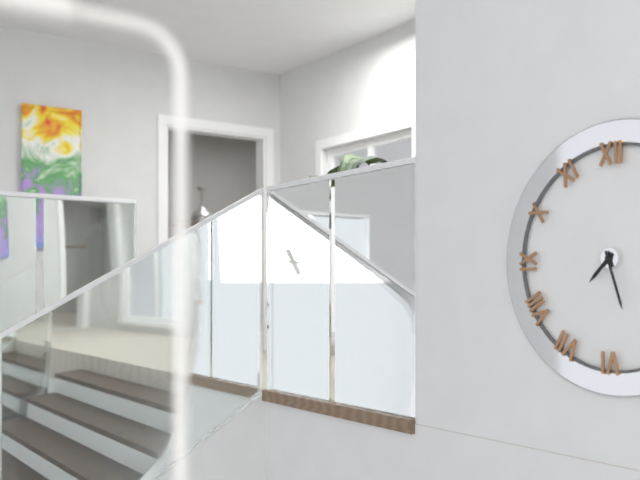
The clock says **7:27**
